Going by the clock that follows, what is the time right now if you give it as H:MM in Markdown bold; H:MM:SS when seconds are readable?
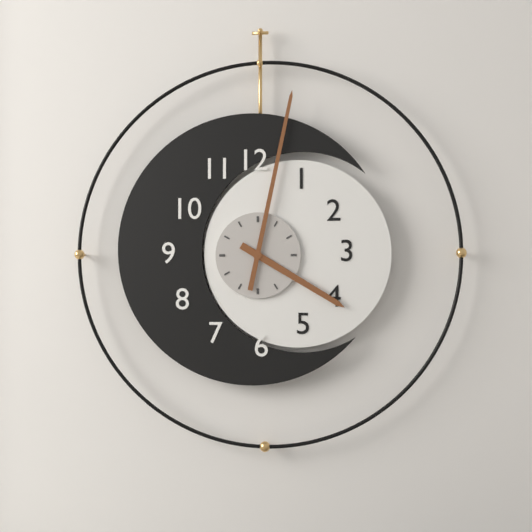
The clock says **4:02**
